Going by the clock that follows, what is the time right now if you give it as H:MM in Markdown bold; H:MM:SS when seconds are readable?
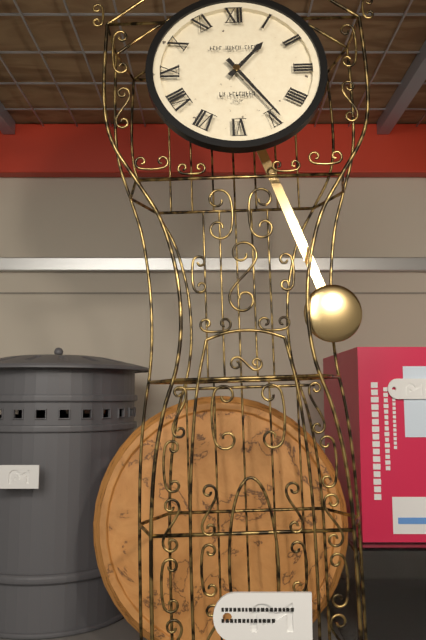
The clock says **1:24**
